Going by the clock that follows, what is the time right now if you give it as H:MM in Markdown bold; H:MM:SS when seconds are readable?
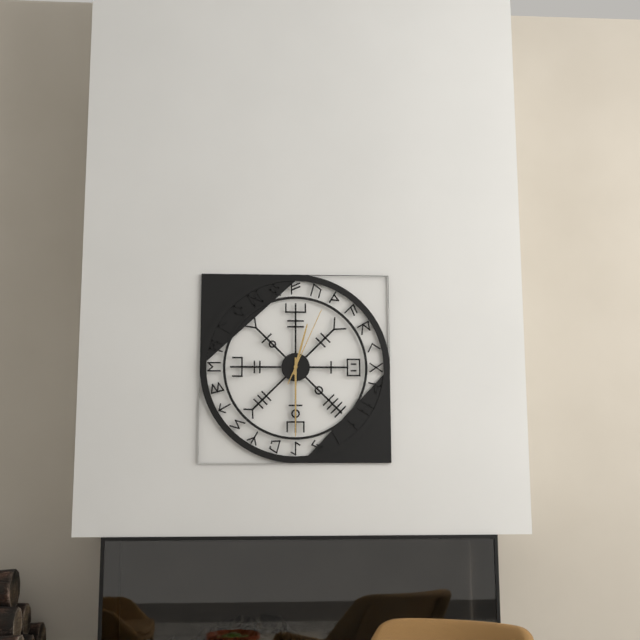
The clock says **12:30:04**
